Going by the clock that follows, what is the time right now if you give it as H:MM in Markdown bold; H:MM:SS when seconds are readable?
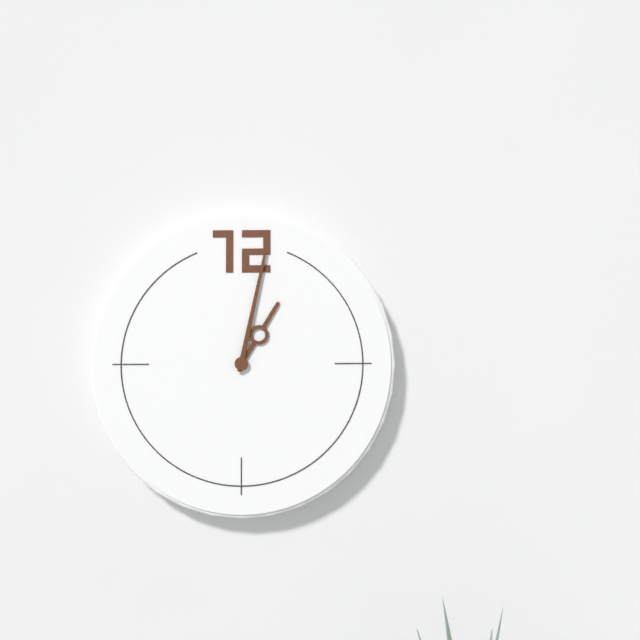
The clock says **1:02**
